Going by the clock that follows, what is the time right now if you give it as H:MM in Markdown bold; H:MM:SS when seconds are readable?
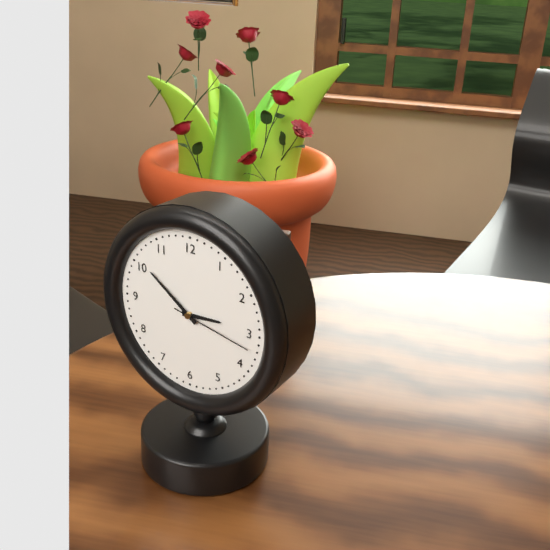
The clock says **2:51:17**
